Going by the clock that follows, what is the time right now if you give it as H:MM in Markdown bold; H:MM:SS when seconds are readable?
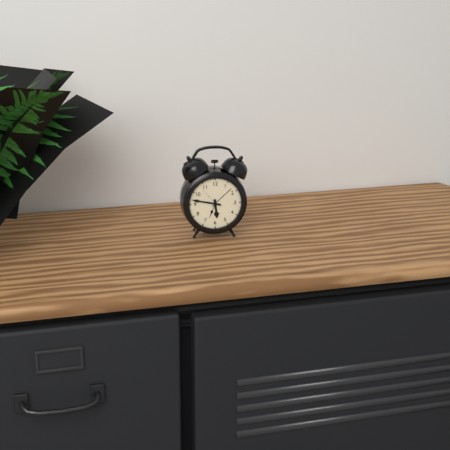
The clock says **5:47**
